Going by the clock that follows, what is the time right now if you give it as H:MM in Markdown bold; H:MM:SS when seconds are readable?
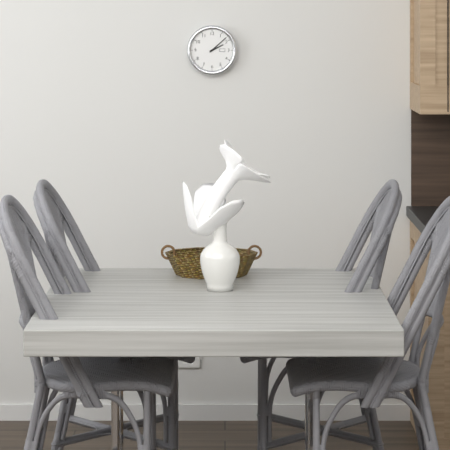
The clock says **2:08**
